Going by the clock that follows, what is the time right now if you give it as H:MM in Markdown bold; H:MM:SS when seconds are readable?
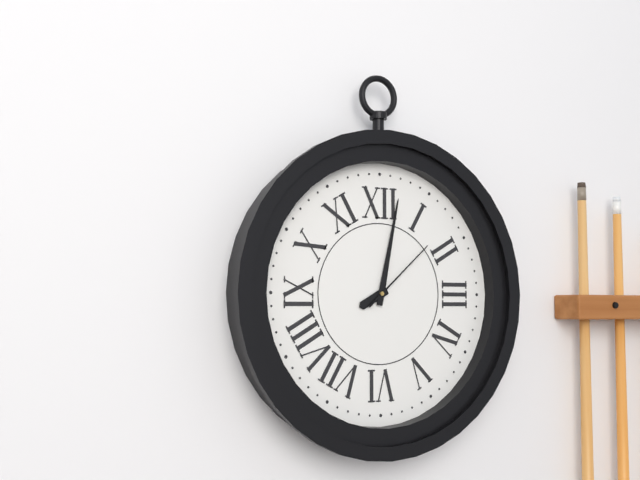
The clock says **8:02:08**
